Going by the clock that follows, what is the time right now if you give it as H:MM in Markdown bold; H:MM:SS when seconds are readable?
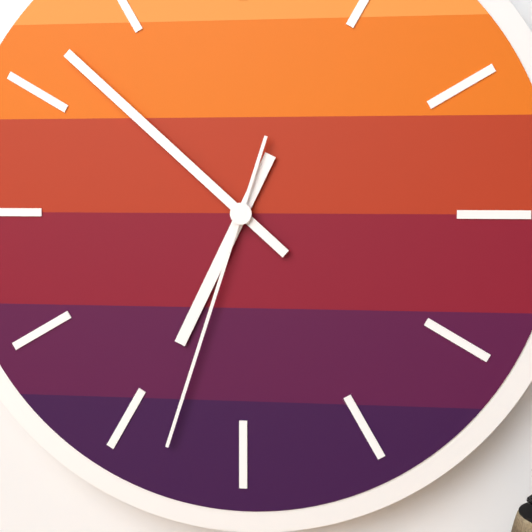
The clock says **6:52:33**
